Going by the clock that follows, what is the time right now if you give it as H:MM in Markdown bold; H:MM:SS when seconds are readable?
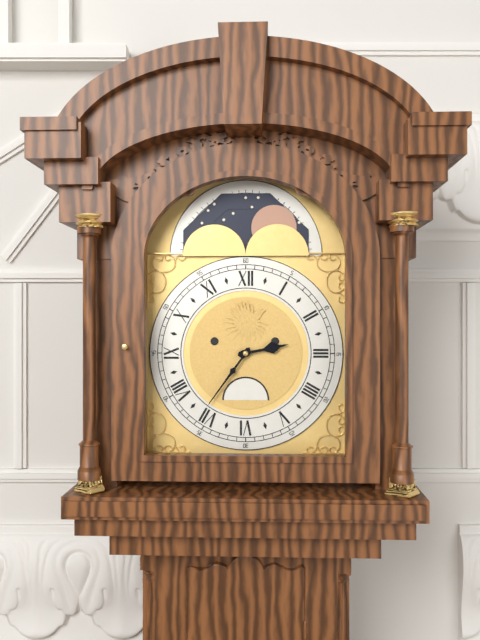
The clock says **2:36**
